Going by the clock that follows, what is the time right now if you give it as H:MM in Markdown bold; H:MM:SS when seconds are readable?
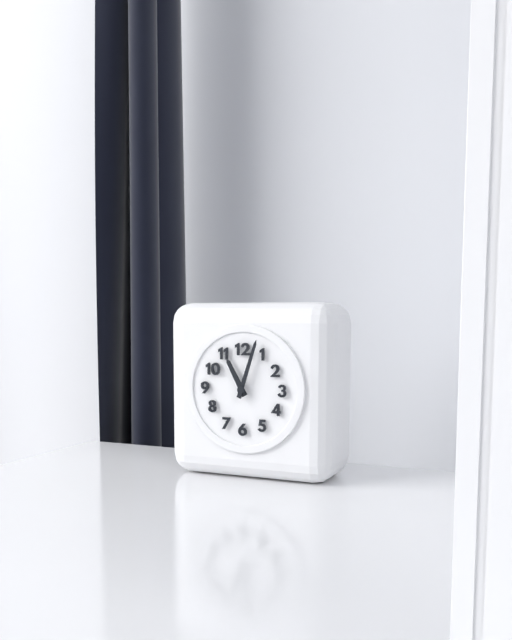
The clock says **11:03**
